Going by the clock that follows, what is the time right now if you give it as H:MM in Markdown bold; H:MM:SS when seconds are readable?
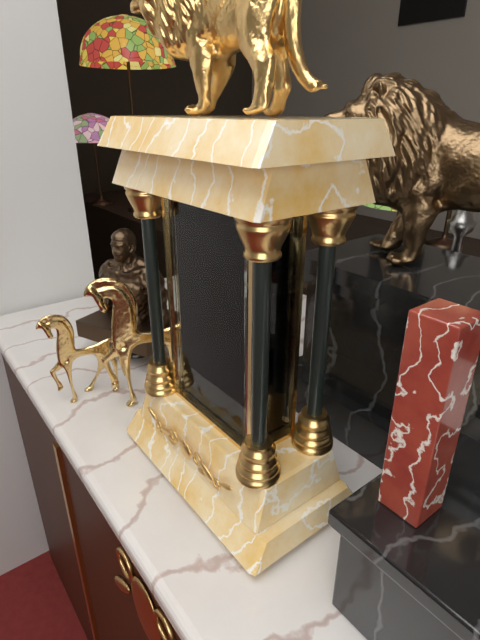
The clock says **11:57**
